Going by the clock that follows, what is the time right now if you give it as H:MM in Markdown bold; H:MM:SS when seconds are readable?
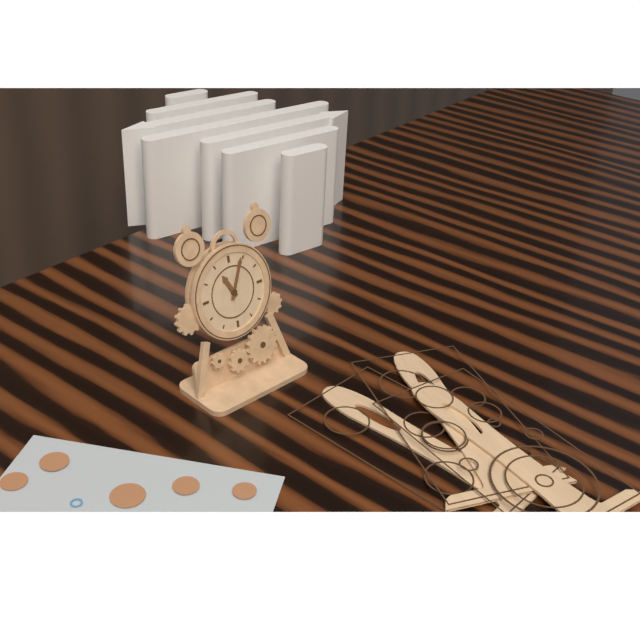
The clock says **11:04**
